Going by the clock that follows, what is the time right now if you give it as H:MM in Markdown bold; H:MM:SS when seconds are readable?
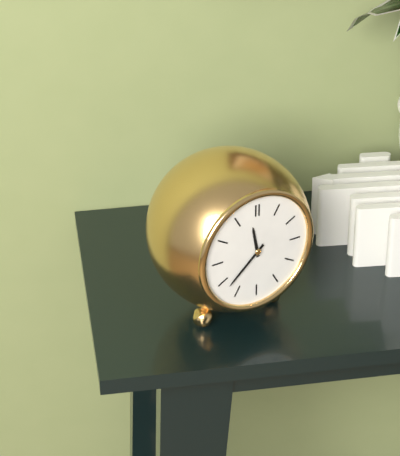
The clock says **11:38**
